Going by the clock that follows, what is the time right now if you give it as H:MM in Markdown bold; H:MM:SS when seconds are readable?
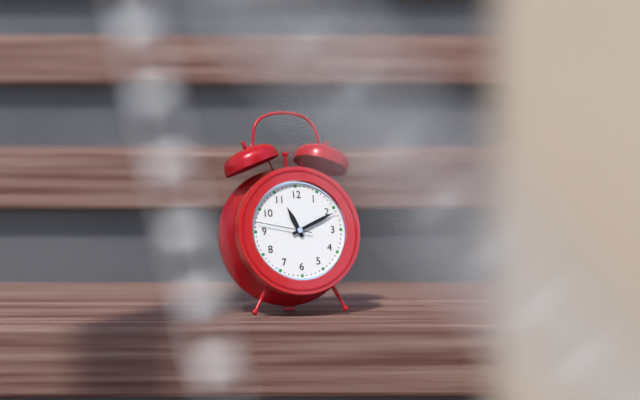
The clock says **11:11:47**
